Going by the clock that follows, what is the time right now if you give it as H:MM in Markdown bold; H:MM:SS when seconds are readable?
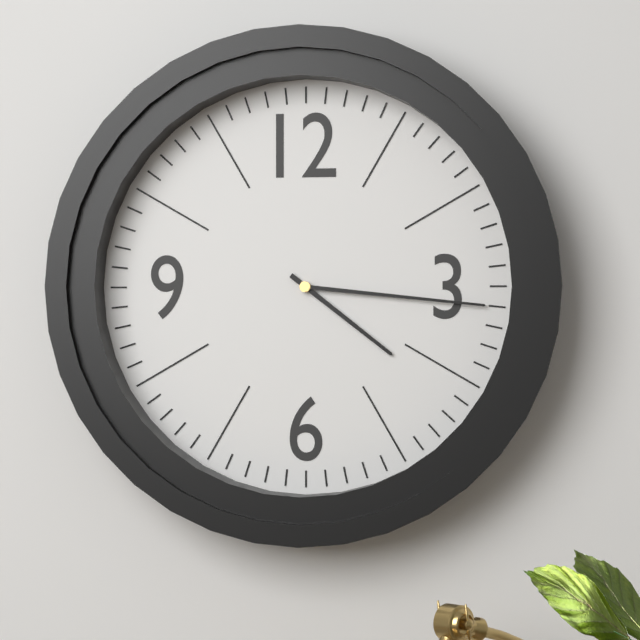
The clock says **4:16**
